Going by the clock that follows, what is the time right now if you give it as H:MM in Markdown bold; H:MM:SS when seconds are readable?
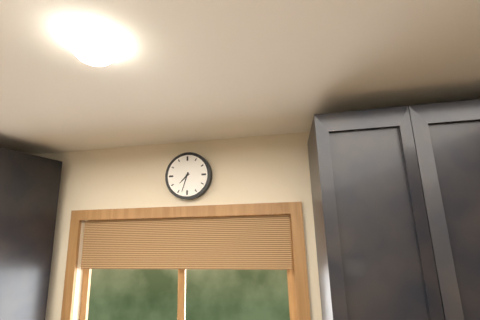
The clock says **7:33**
